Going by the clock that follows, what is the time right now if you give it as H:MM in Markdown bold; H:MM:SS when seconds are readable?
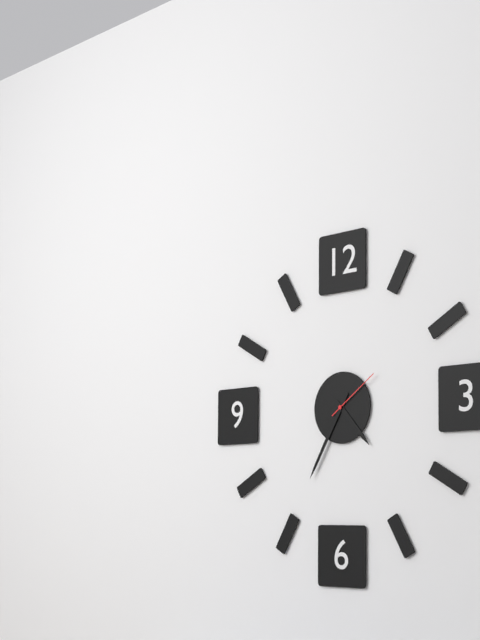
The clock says **4:35:09**
